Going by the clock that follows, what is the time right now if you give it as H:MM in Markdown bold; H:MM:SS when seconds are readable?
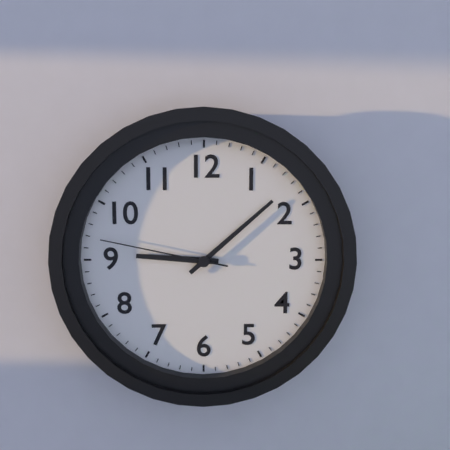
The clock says **9:08:47**
